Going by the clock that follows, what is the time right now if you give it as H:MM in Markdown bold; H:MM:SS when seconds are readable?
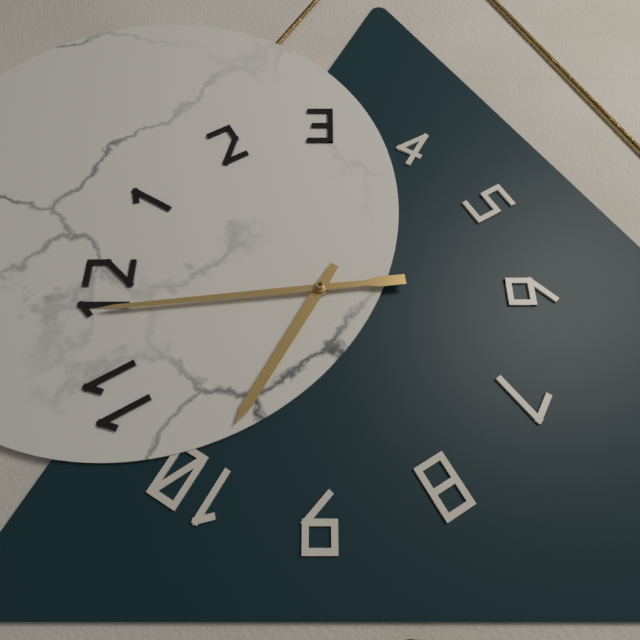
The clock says **9:59**
